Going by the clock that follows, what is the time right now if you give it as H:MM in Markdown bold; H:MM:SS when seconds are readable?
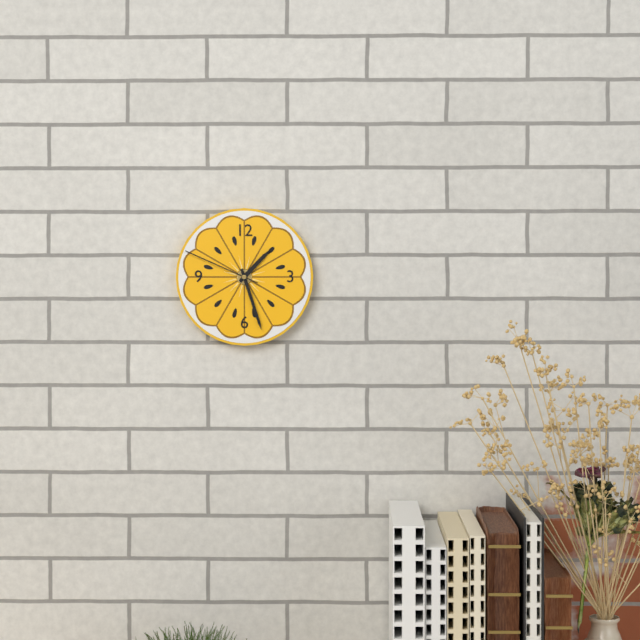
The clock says **1:27:49**
